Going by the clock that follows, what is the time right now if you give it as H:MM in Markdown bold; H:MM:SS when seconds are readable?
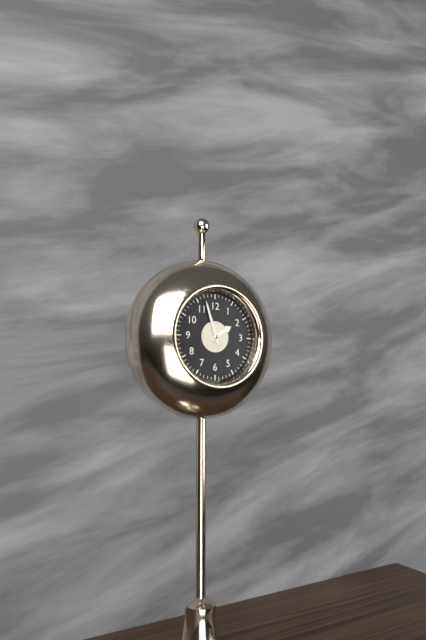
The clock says **1:57**
